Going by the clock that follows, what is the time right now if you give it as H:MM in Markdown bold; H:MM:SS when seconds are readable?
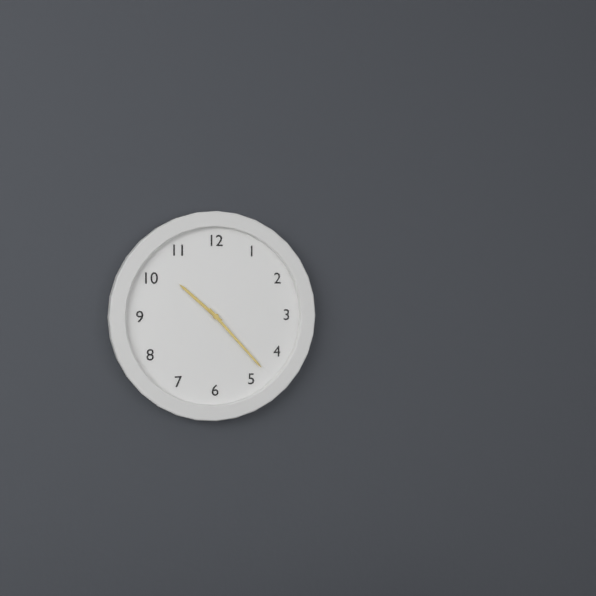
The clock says **10:23**
